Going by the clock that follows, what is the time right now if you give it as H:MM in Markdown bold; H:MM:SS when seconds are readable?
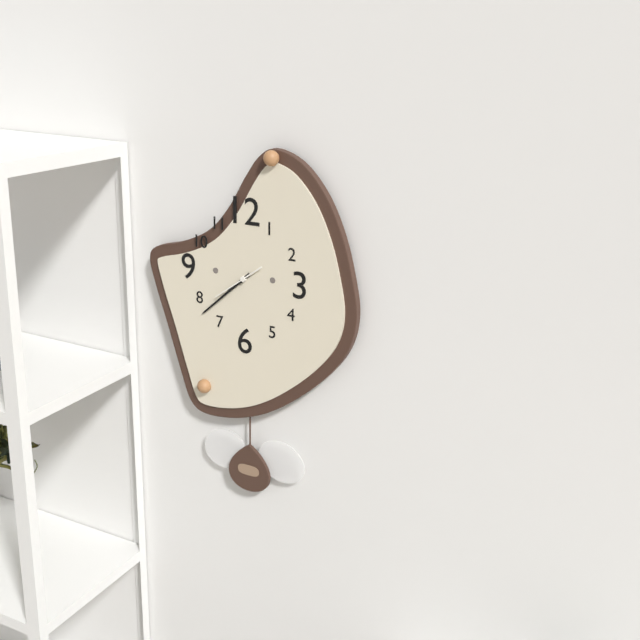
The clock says **7:38**
